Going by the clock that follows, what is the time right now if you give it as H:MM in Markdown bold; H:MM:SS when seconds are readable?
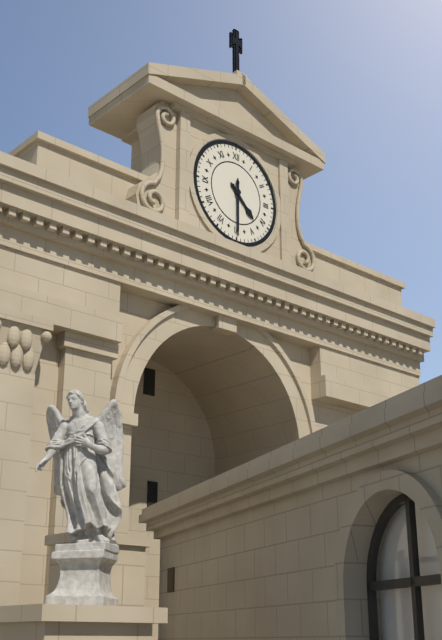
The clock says **4:30**
